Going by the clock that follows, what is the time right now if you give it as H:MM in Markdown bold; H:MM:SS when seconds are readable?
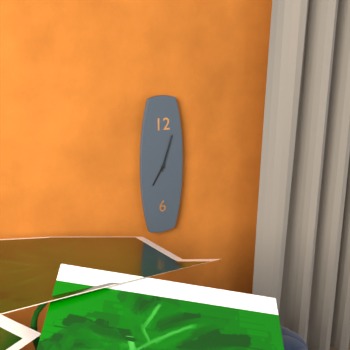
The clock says **7:03**
